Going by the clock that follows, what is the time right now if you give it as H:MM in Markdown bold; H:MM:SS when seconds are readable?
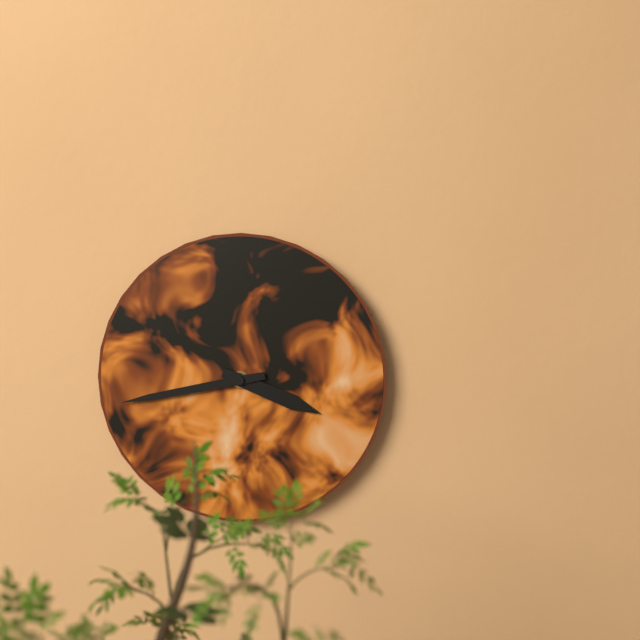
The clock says **3:43**
